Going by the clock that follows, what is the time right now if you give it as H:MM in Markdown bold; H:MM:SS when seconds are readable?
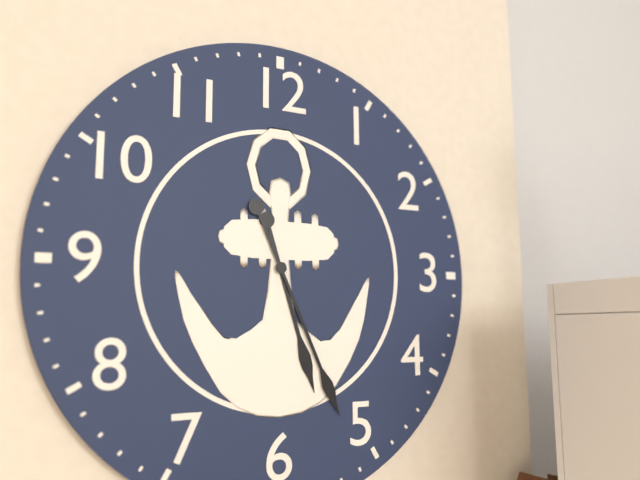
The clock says **5:26**
